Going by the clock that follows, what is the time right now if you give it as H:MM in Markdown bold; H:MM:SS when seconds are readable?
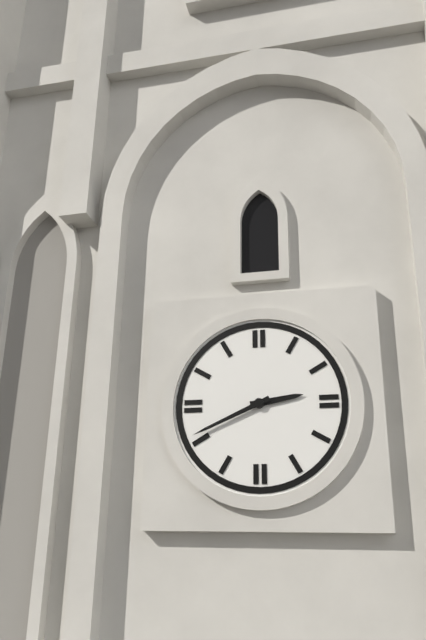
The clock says **2:41**
